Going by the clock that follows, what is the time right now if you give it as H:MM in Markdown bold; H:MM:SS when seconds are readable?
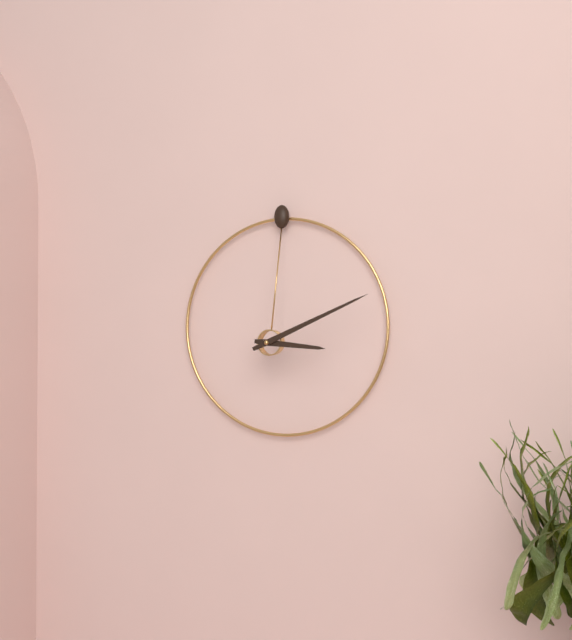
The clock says **3:11**
